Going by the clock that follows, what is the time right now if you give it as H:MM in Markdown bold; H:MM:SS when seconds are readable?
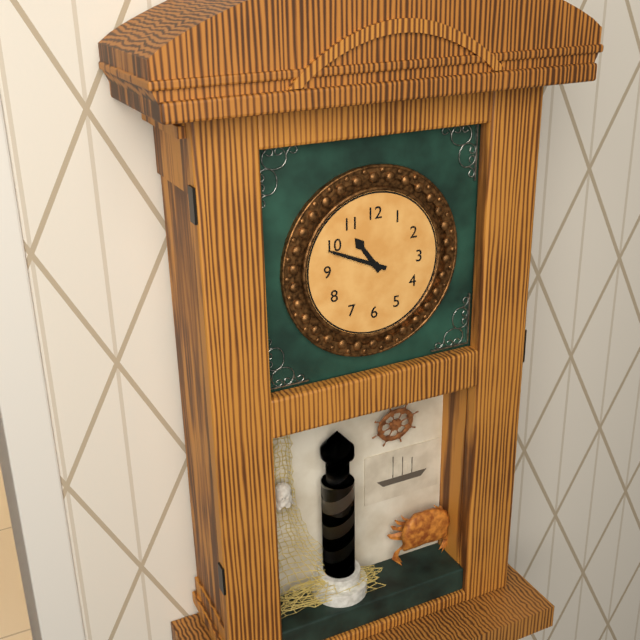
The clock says **10:49**
